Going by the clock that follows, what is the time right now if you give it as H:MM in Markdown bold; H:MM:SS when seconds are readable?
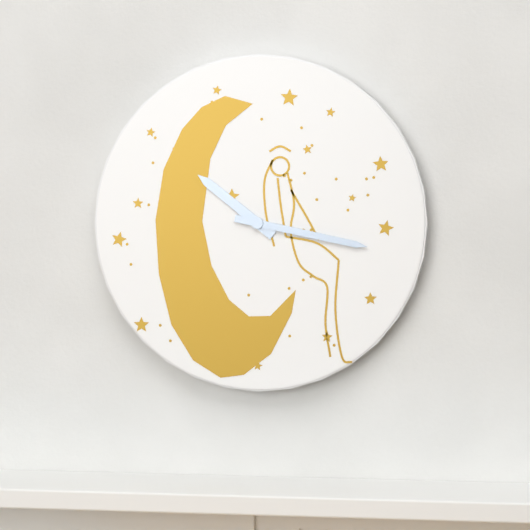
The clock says **10:17**
